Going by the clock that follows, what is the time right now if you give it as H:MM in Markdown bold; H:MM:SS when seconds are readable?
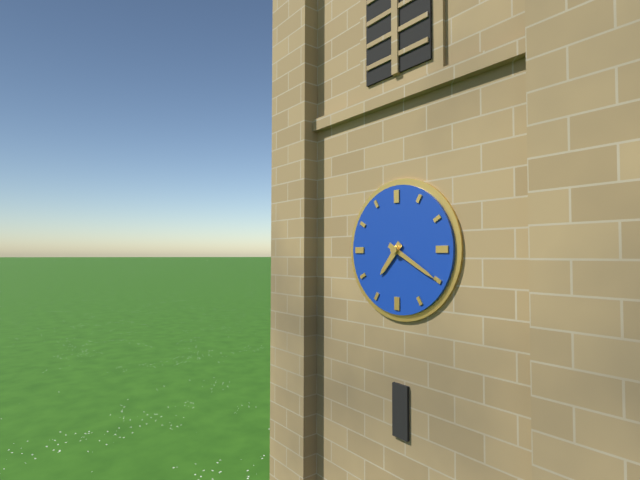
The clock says **7:20**
